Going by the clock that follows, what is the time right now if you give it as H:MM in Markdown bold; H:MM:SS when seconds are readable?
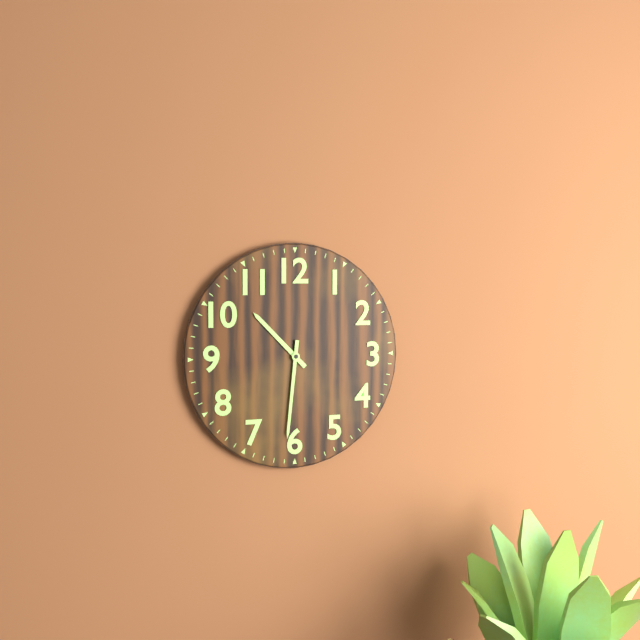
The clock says **10:31**
